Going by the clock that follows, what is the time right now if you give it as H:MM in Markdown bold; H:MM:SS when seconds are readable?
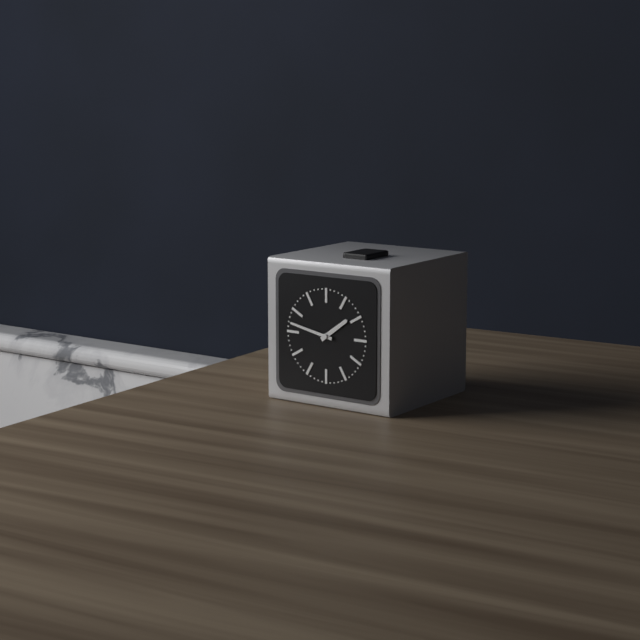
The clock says **1:47**
